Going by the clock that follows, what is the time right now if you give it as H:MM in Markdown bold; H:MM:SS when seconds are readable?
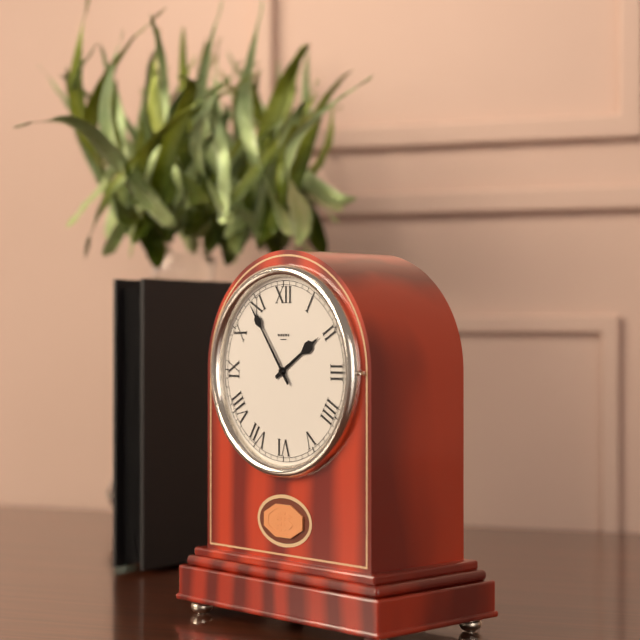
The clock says **1:54**
